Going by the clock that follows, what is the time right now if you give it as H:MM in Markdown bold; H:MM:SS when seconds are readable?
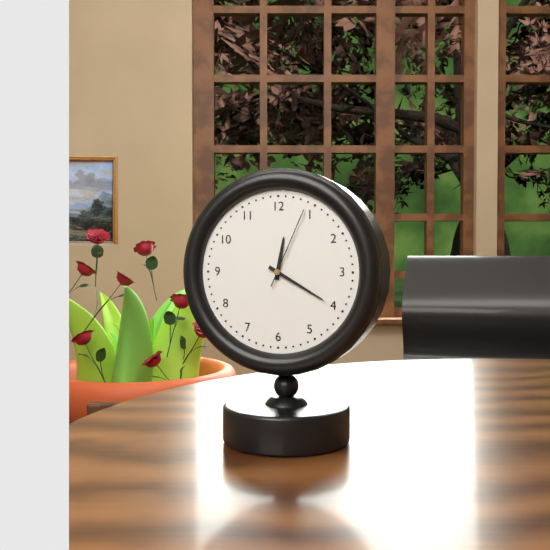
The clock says **12:20:04**
